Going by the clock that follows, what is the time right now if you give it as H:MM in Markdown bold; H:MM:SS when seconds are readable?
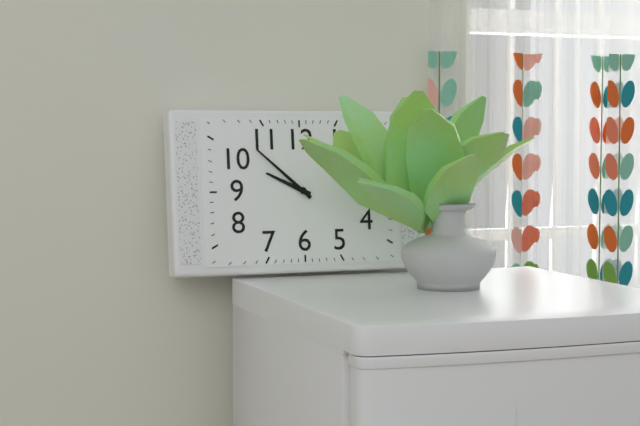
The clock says **9:52**
